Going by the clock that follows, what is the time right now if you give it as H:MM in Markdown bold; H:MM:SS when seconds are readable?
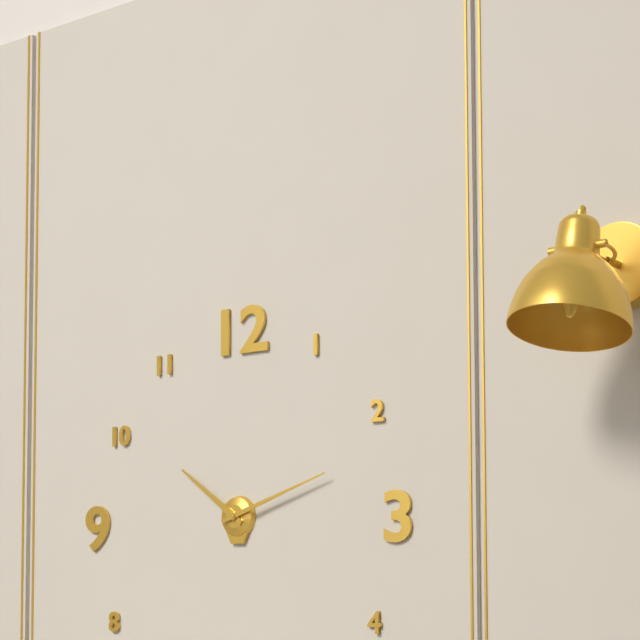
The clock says **10:12**
